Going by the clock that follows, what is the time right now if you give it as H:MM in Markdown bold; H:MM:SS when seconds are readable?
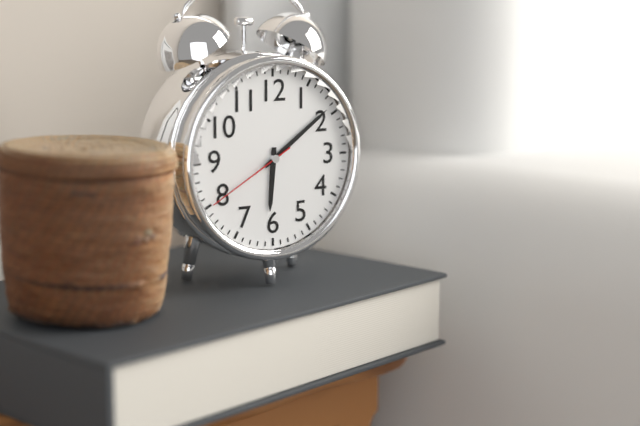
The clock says **6:09:40**
